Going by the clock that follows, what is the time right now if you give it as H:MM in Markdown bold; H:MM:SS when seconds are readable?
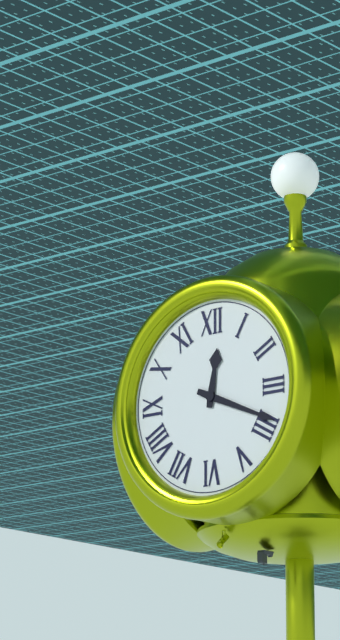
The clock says **12:19**
